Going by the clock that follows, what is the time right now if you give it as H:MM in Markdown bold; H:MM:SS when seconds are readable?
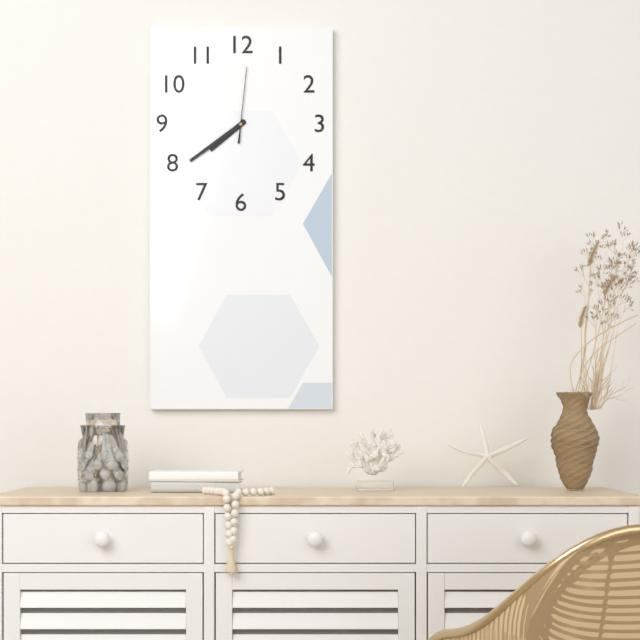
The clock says **7:39:01**
